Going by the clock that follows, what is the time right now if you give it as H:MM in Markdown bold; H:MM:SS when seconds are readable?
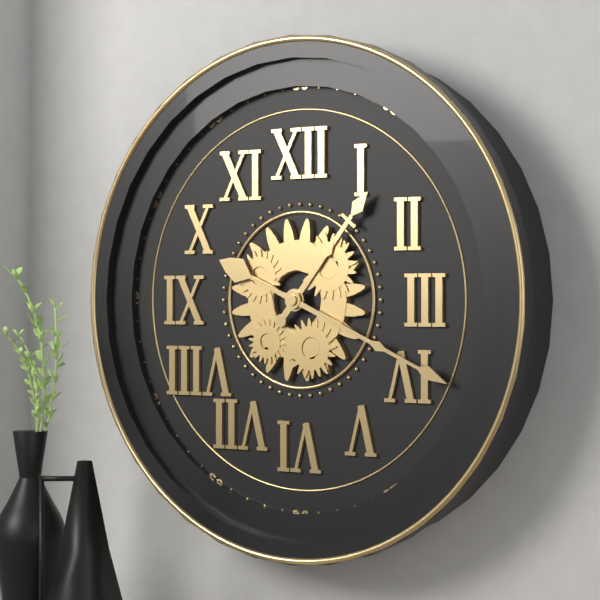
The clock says **1:19**
